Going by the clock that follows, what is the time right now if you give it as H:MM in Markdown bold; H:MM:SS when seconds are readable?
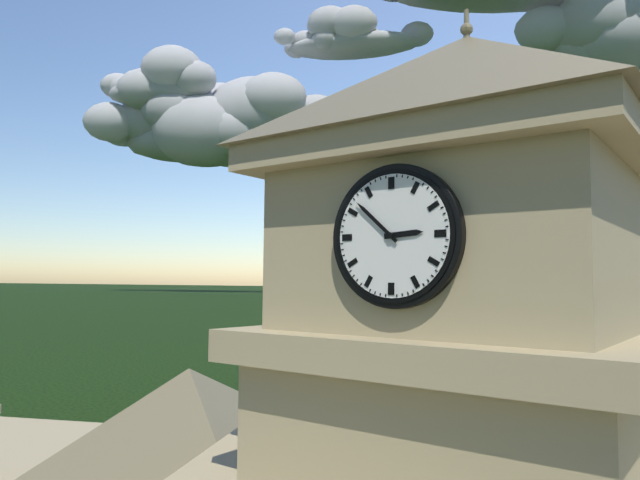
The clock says **2:52**
